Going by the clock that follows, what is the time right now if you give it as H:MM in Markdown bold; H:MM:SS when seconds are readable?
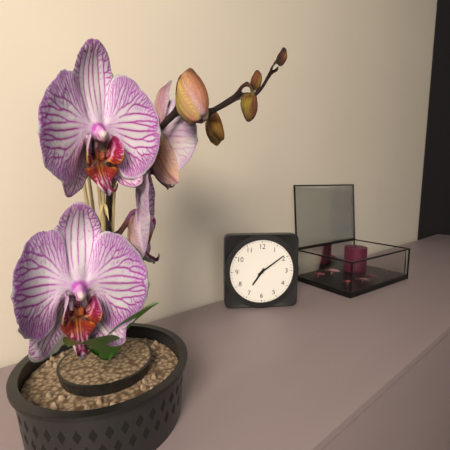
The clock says **7:09**
